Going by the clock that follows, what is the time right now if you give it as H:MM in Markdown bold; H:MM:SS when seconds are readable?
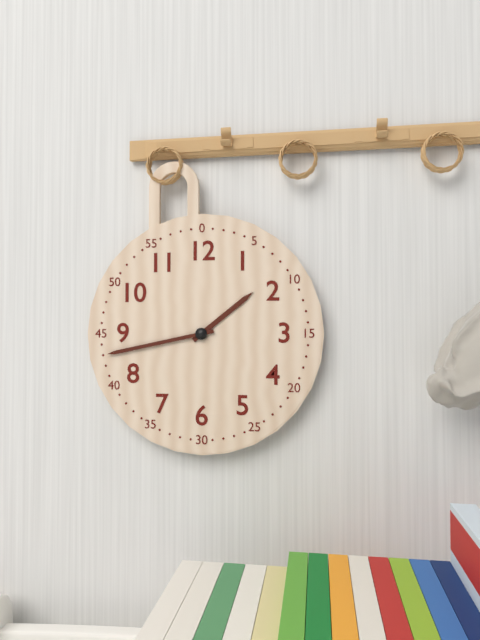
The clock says **1:43**
